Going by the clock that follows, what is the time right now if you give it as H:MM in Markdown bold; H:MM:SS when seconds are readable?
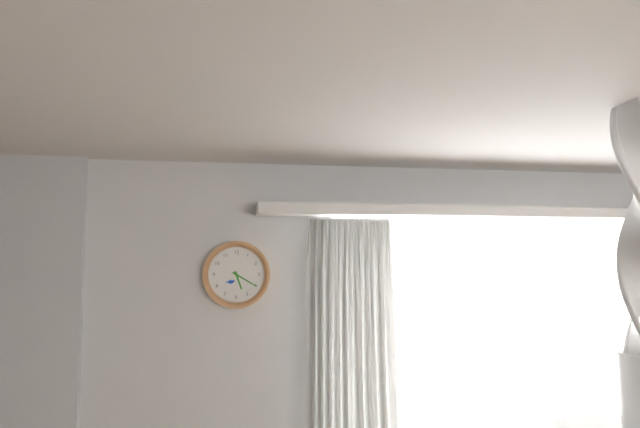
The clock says **5:20**
